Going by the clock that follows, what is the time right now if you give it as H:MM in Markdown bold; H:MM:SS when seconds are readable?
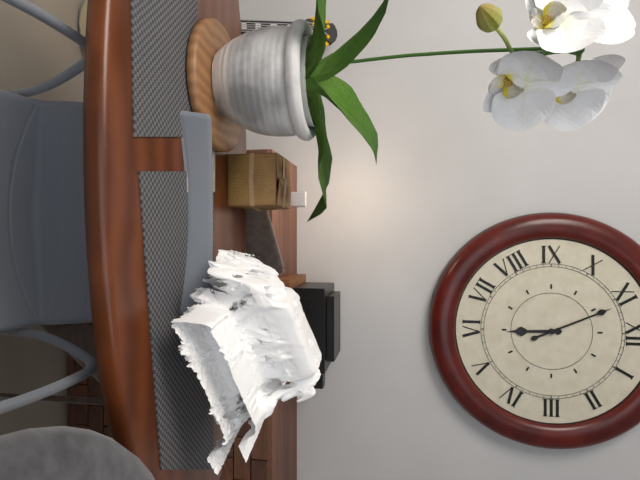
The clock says **5:56**
